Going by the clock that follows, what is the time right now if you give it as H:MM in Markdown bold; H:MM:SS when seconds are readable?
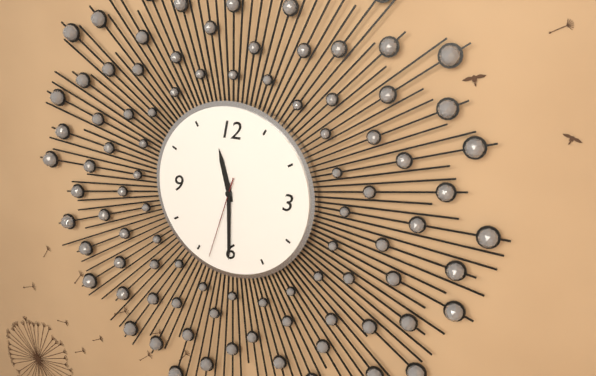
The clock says **11:30:33**
